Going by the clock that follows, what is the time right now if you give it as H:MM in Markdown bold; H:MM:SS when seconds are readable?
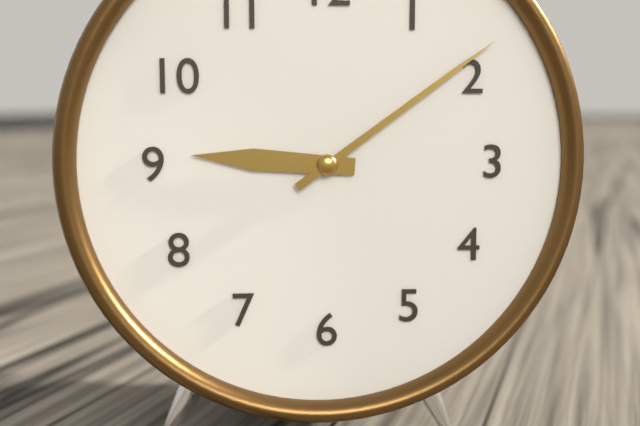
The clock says **9:09**
